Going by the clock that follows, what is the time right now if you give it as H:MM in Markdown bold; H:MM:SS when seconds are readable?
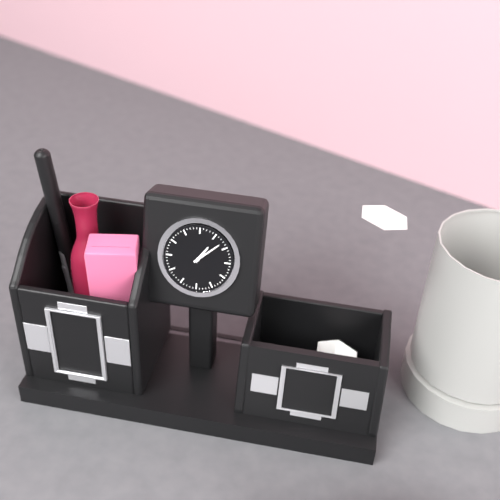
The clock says **1:08**
